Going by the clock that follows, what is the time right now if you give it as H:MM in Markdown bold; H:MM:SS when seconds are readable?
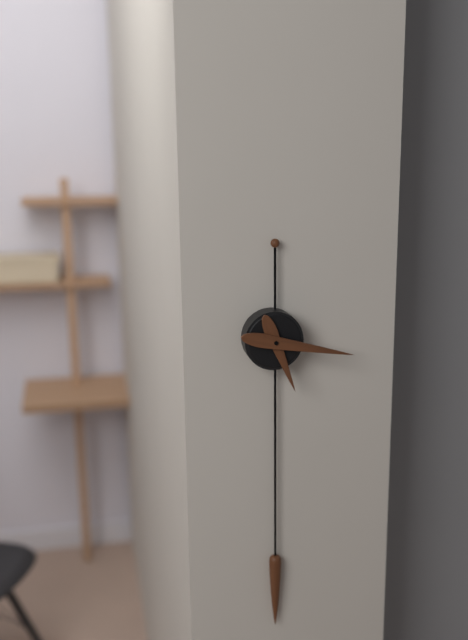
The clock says **5:17**
